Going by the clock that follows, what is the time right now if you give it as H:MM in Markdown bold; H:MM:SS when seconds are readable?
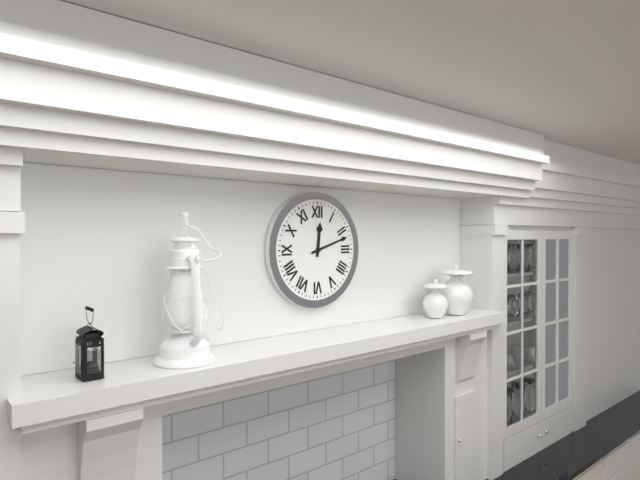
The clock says **12:12**
